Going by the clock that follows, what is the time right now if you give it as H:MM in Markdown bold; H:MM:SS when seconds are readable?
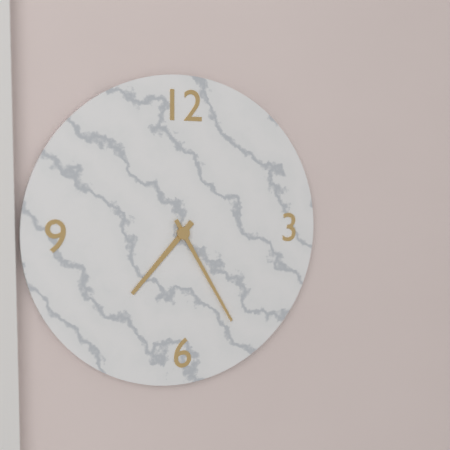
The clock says **7:25**
